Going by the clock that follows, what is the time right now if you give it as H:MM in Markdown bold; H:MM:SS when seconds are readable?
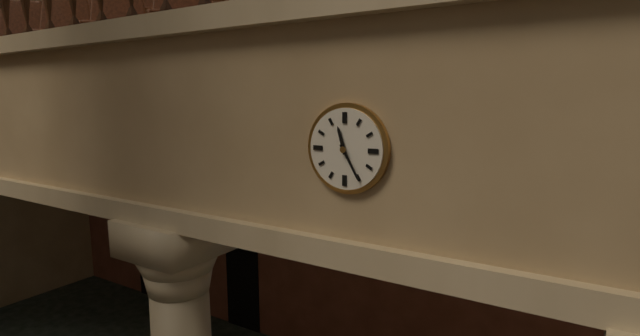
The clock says **11:25**
